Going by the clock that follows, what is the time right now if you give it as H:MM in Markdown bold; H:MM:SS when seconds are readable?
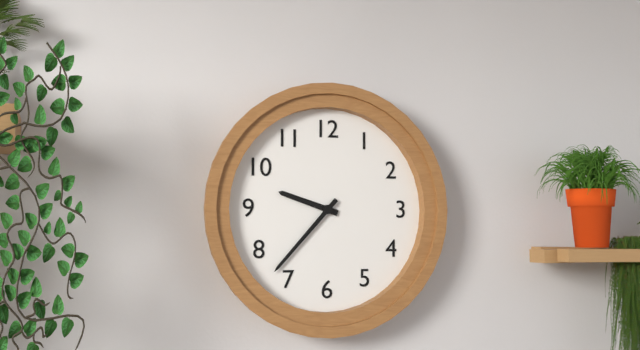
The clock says **9:37**
